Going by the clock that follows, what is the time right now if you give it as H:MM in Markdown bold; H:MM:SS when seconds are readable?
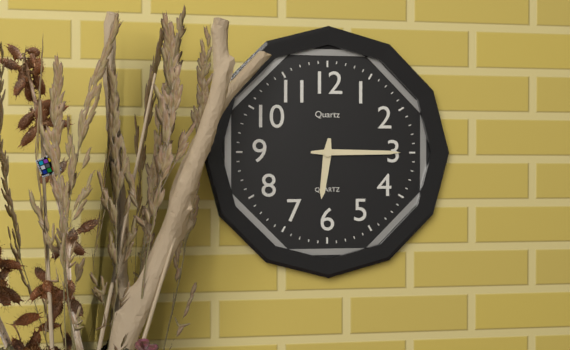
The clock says **6:15**
